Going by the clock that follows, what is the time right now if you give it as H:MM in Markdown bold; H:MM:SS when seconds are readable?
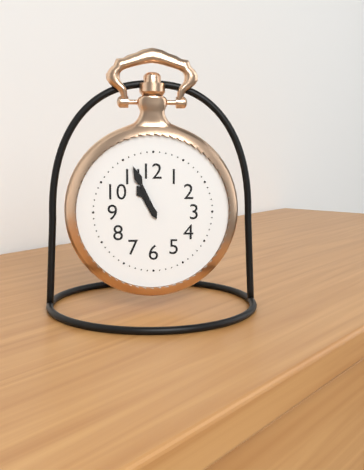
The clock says **10:56**
